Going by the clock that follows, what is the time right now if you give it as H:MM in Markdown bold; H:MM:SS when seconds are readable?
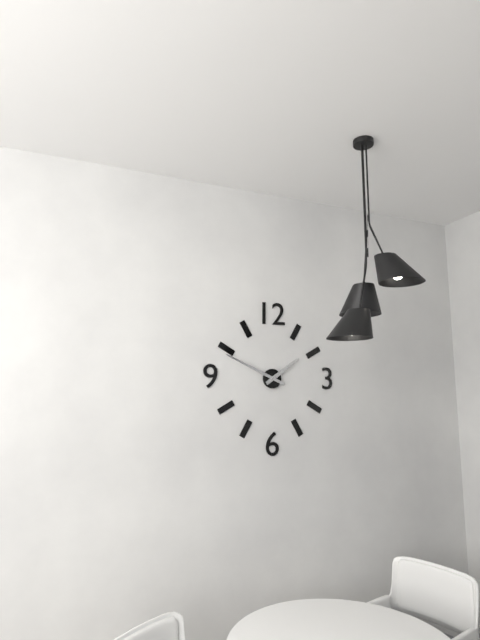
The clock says **1:49**
